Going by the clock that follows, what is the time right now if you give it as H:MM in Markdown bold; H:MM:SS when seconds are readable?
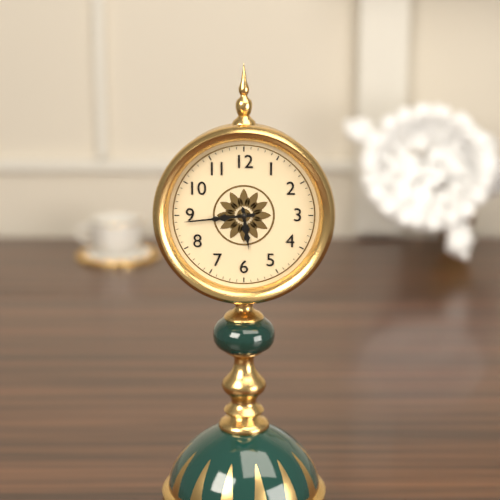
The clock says **5:44**
